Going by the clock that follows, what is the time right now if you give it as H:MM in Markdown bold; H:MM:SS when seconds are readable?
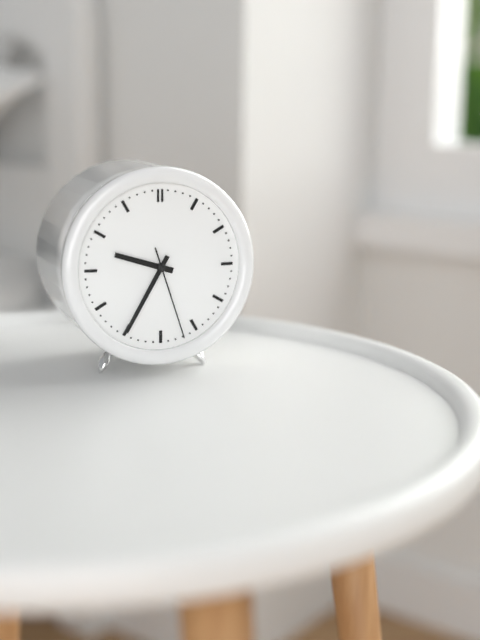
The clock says **9:35:27**
